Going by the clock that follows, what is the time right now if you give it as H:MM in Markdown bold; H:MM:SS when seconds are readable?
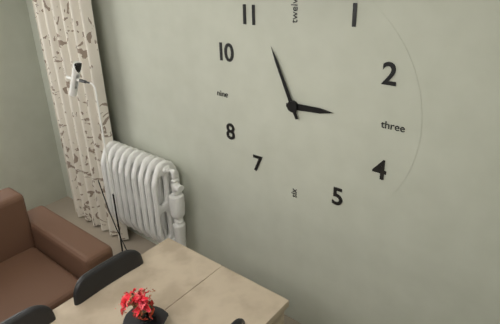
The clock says **2:56**
